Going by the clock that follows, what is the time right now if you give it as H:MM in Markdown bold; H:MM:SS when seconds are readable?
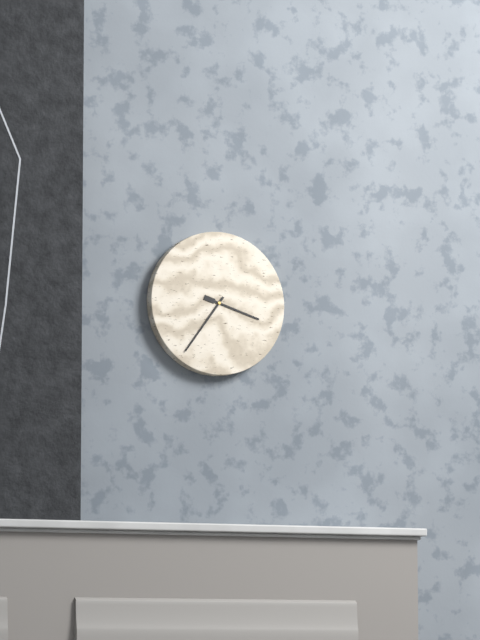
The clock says **3:36**
